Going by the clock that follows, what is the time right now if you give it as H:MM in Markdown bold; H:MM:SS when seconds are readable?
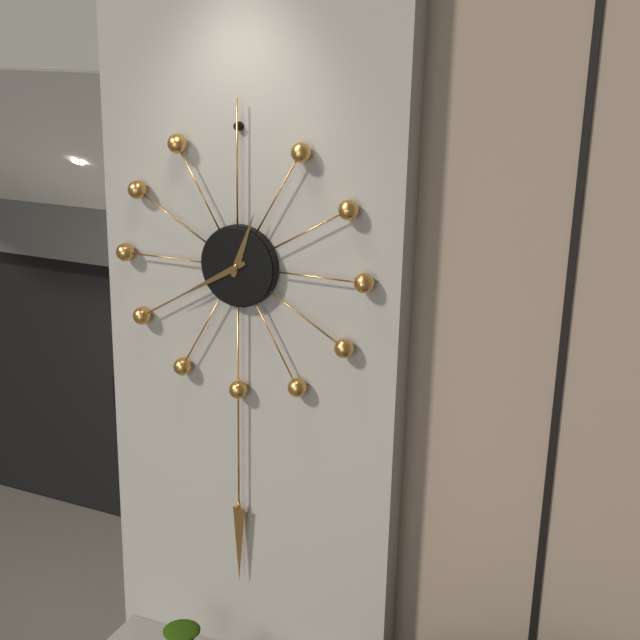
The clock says **12:40**
